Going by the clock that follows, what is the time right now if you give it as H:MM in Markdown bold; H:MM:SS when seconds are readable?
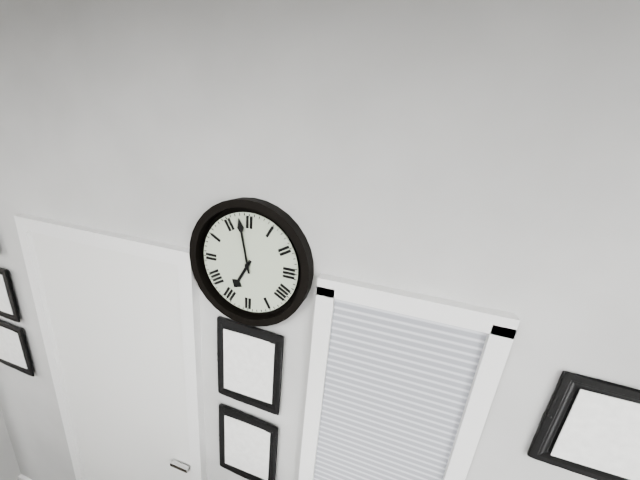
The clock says **6:58**
